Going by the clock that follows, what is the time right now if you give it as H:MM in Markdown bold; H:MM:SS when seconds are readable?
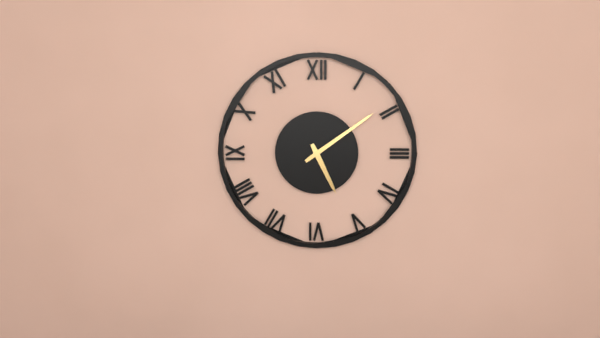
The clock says **5:09**
